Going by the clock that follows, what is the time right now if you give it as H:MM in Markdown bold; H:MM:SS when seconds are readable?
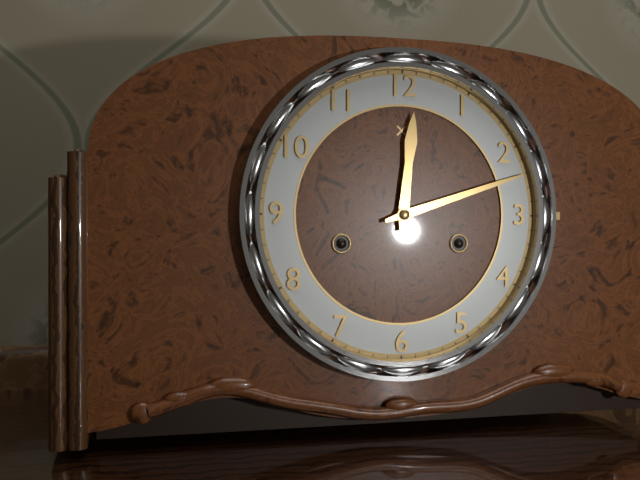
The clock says **12:12**
